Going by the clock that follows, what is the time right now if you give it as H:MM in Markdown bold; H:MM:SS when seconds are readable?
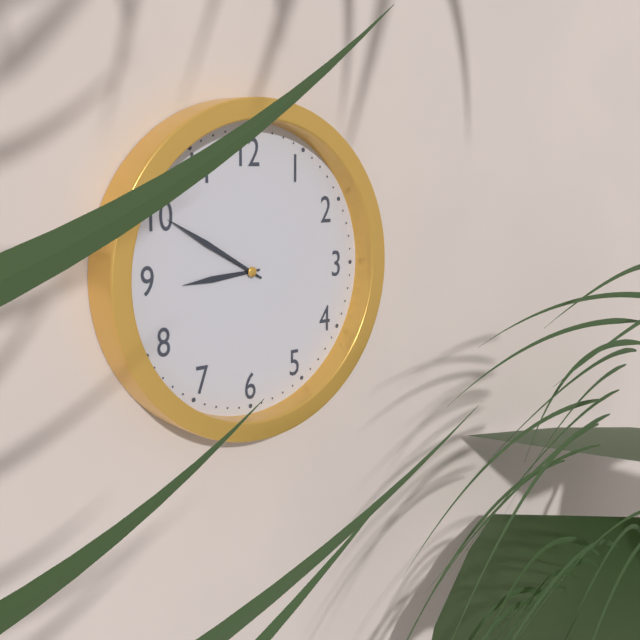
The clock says **8:50**
